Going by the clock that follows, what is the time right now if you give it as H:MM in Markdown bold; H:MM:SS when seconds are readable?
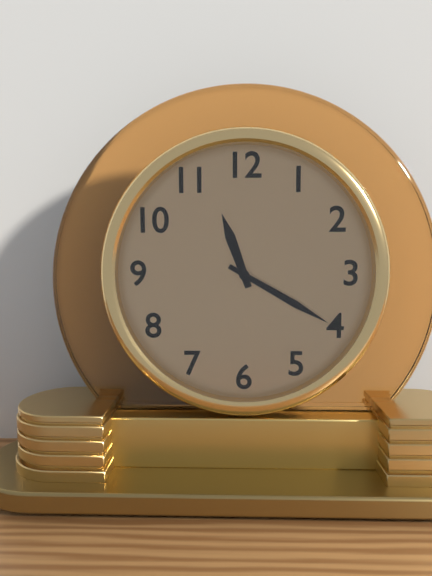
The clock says **11:20**
